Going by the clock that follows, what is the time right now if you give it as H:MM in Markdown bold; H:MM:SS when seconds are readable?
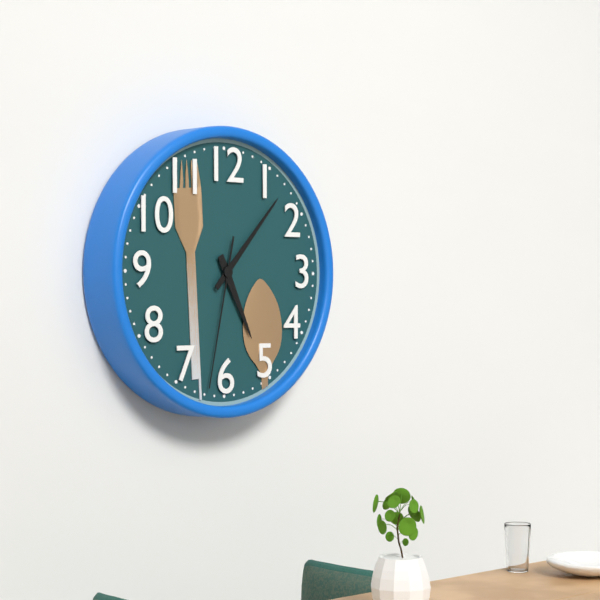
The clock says **5:07:32**
